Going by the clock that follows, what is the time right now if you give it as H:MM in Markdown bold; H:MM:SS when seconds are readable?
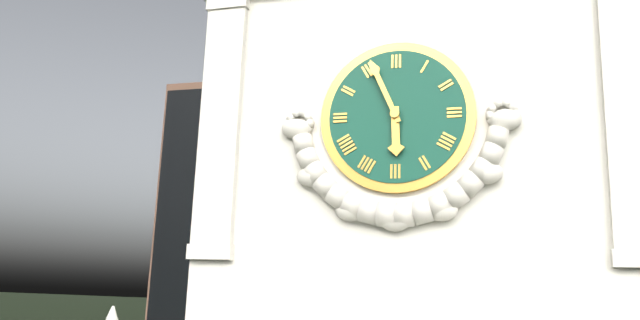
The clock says **5:56**
